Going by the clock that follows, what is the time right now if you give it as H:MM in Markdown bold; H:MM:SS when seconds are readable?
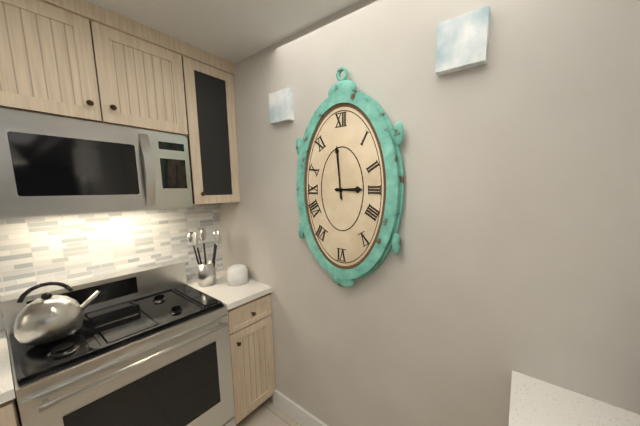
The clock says **2:59**
